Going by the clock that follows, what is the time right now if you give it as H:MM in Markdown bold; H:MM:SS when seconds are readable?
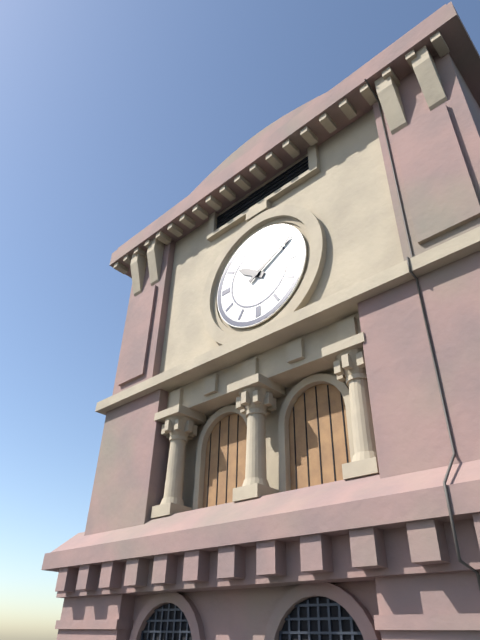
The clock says **10:10**
